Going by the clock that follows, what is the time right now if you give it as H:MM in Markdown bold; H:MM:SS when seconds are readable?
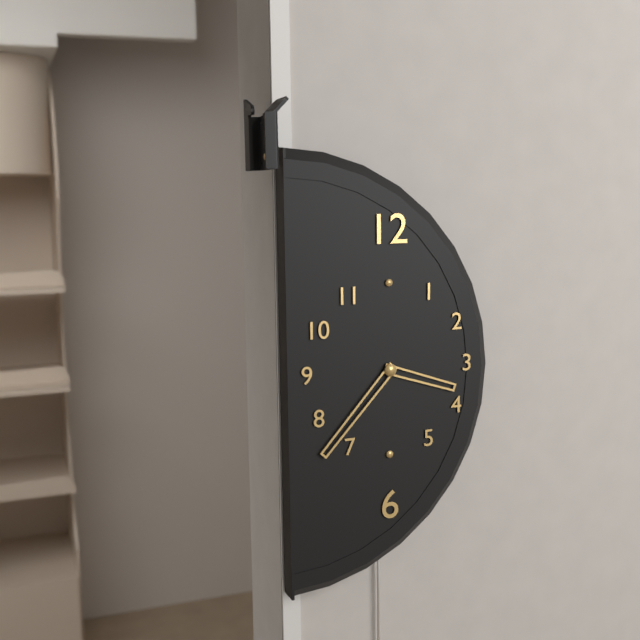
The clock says **3:37**
